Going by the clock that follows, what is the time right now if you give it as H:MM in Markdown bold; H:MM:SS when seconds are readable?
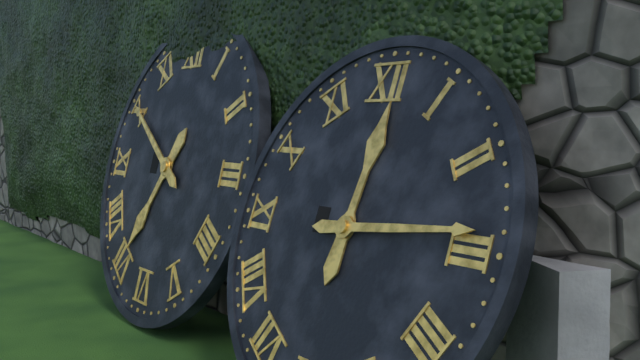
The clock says **12:14**
